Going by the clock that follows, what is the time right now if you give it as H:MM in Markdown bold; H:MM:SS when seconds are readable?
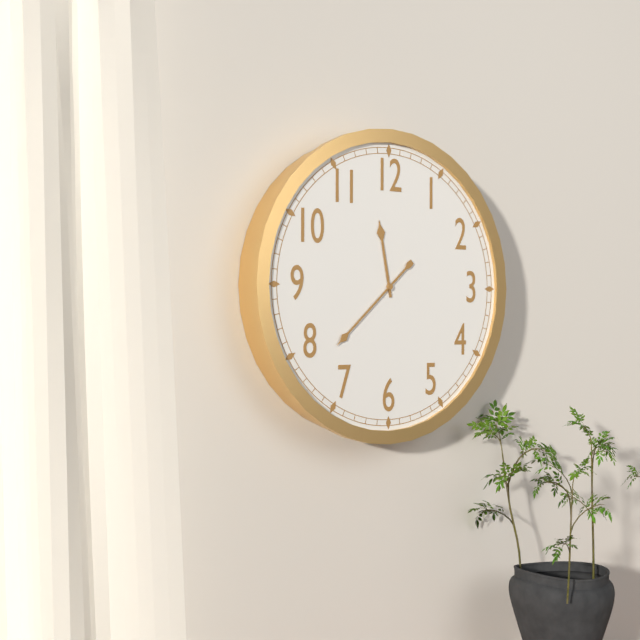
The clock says **11:38**
